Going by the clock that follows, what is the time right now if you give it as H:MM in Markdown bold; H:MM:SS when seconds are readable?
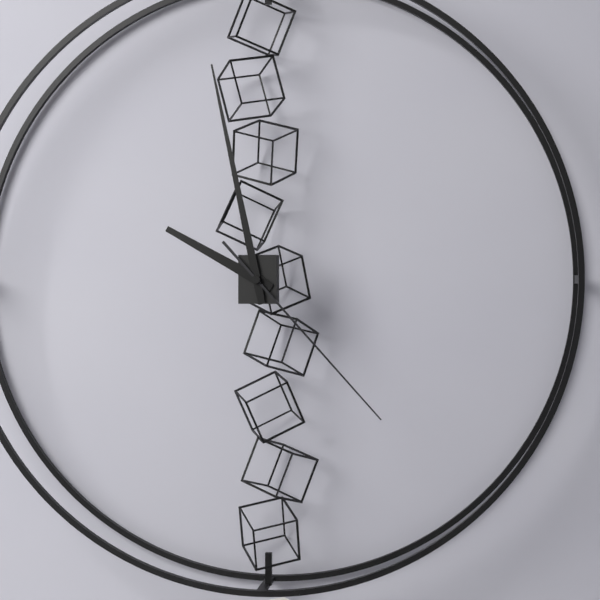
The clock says **9:58:23**
